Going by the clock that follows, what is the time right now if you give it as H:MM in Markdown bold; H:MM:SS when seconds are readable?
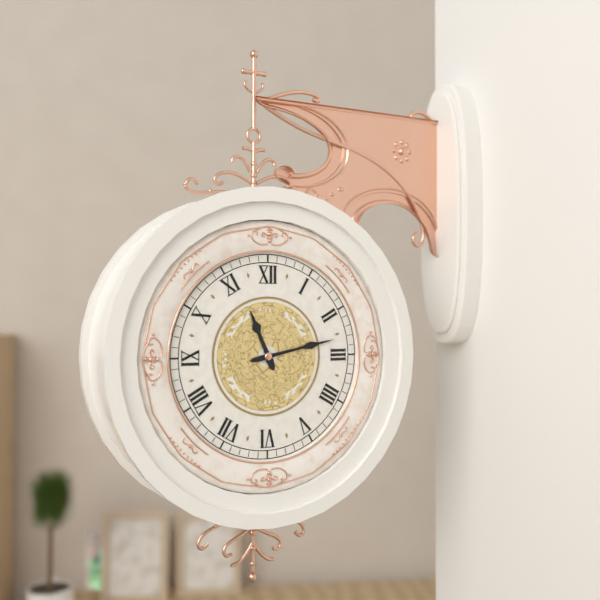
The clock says **11:13**
